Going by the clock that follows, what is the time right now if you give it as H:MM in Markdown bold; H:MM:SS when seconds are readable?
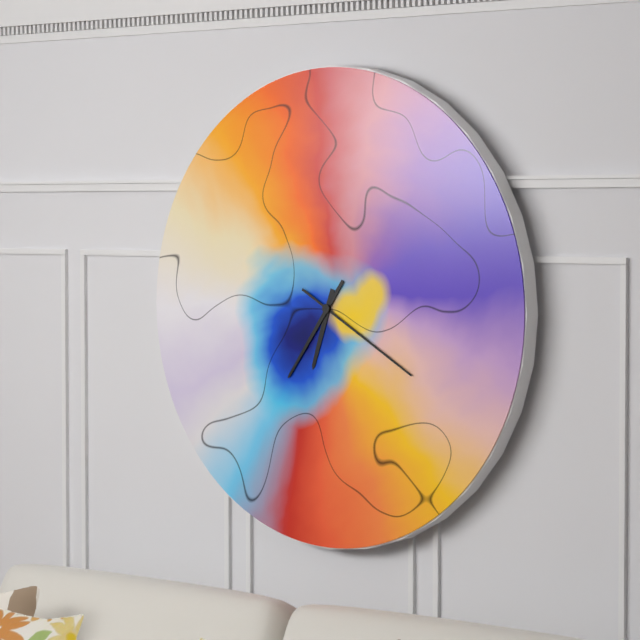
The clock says **6:36:20**
